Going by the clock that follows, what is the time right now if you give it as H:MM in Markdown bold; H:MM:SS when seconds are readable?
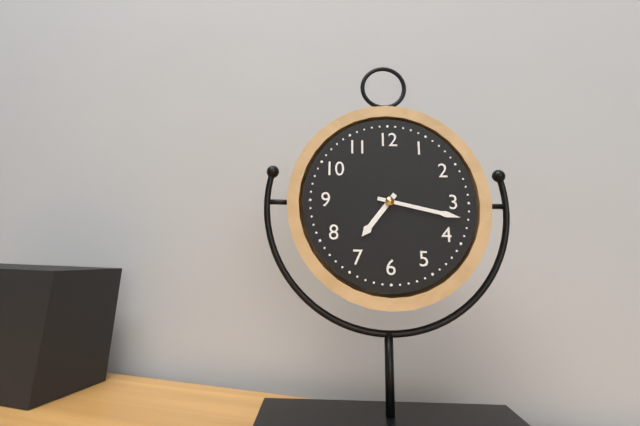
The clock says **7:17**
